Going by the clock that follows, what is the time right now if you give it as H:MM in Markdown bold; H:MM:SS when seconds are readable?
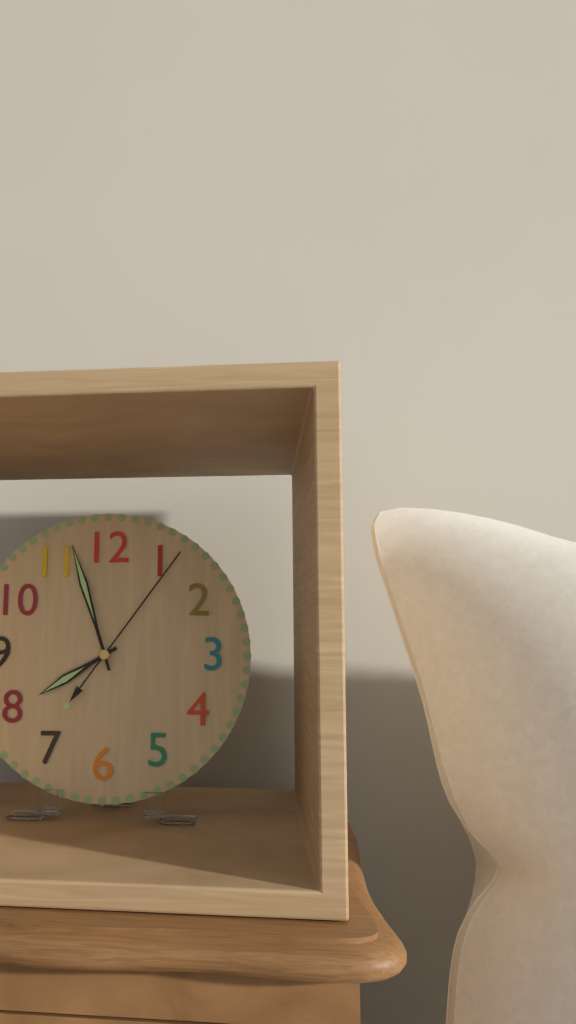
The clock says **7:57:06**
